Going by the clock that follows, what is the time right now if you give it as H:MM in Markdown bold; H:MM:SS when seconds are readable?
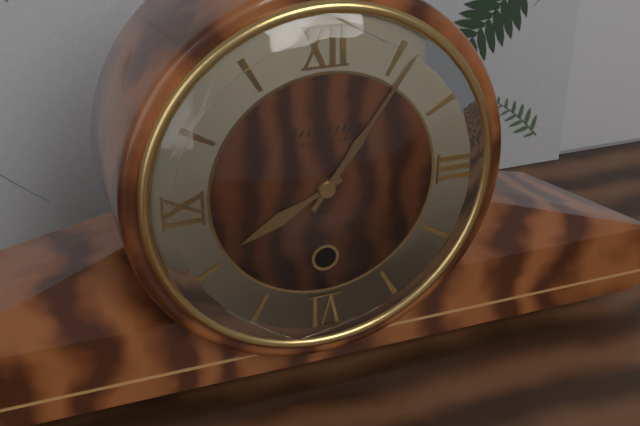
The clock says **8:06**
